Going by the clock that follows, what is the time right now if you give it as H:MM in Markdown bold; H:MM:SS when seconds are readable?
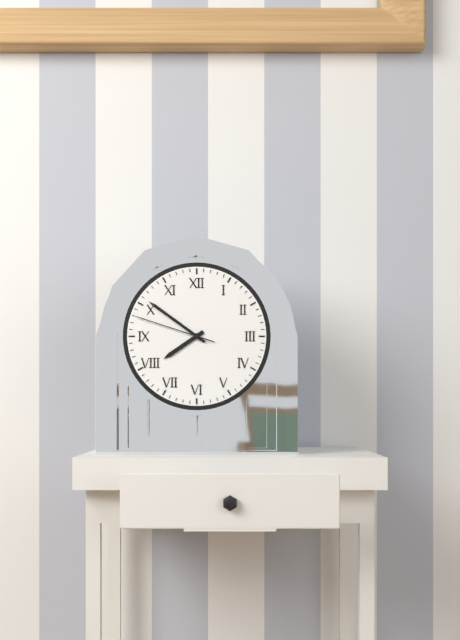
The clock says **7:51:48**
